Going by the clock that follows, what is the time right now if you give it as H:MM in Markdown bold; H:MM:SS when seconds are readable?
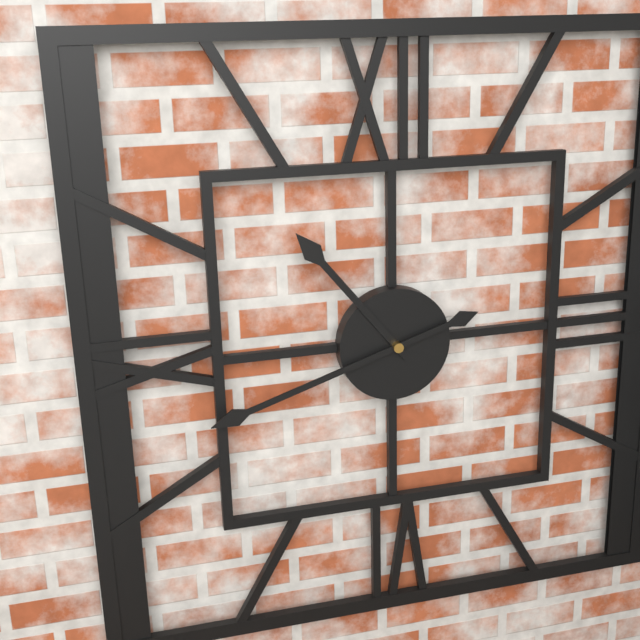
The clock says **10:42**
